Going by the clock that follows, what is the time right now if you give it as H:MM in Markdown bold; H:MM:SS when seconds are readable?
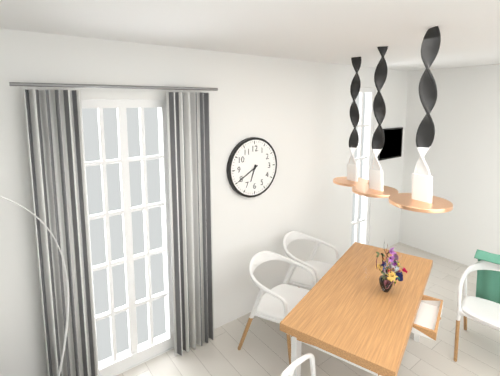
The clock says **6:40**
